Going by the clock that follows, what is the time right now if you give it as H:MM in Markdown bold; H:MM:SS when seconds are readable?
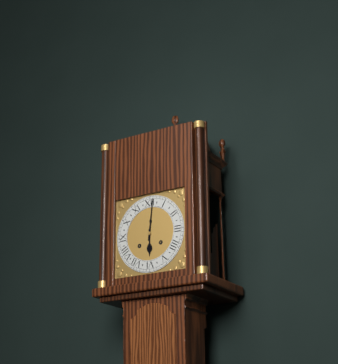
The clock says **6:01**
